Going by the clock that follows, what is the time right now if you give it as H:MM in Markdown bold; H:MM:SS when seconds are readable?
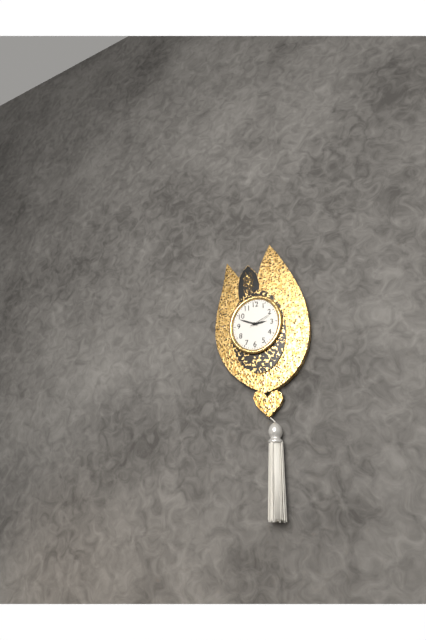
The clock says **2:49**
